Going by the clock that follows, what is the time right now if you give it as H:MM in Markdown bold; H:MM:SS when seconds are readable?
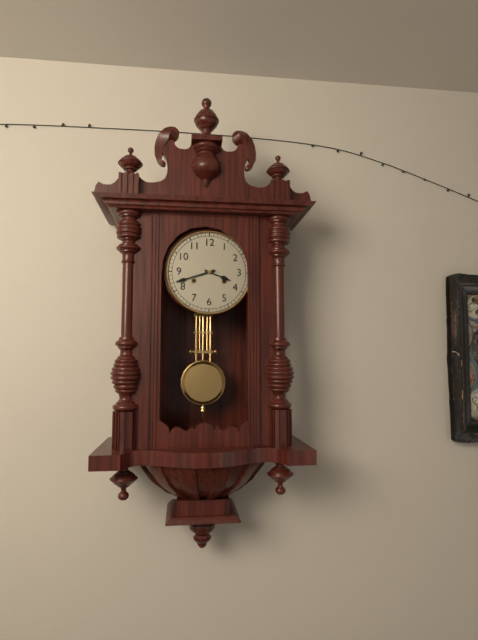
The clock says **3:42**
